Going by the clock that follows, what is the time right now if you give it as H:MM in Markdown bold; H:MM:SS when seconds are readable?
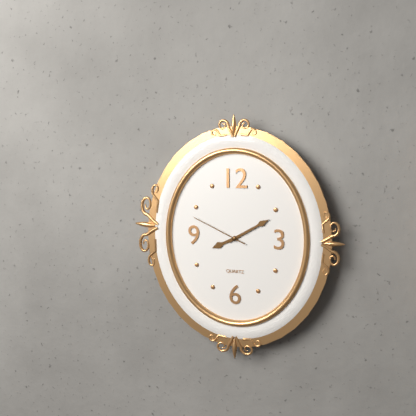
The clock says **8:10:49**
